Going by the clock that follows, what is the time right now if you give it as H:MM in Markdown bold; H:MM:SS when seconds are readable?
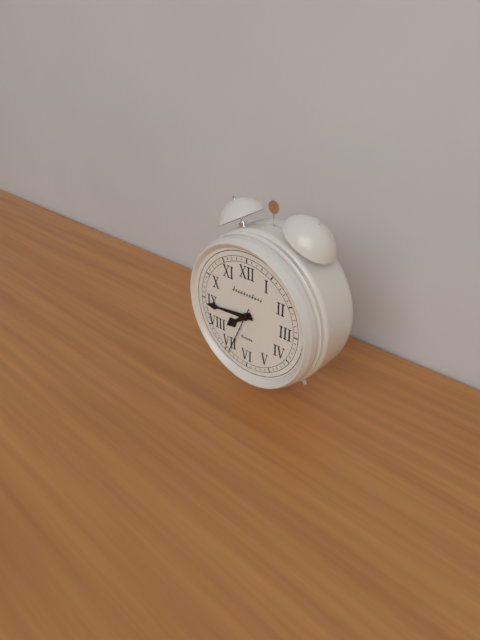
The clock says **7:44:34**
